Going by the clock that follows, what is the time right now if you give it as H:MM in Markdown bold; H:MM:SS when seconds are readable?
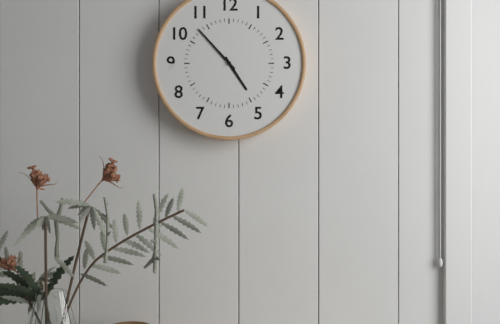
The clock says **4:53**
